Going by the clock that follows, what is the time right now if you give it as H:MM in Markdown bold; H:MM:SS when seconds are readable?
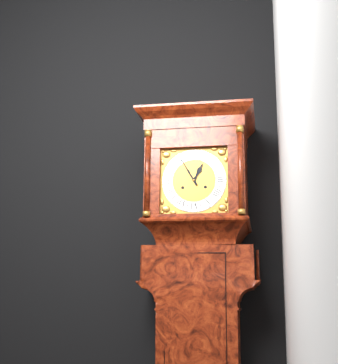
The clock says **12:55**
